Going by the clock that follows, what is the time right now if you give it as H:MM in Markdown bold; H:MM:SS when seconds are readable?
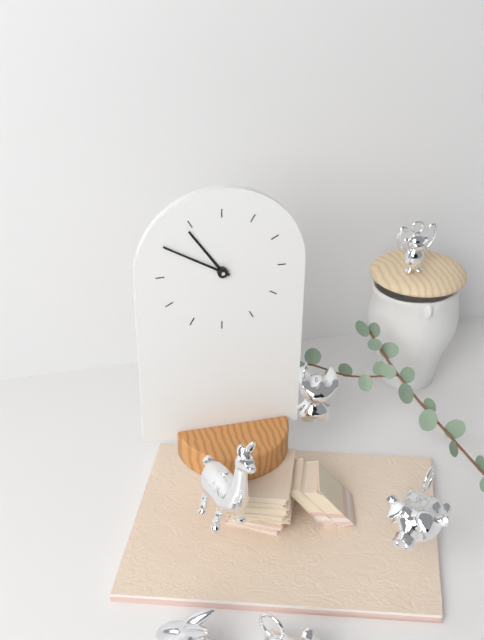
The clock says **10:50**
